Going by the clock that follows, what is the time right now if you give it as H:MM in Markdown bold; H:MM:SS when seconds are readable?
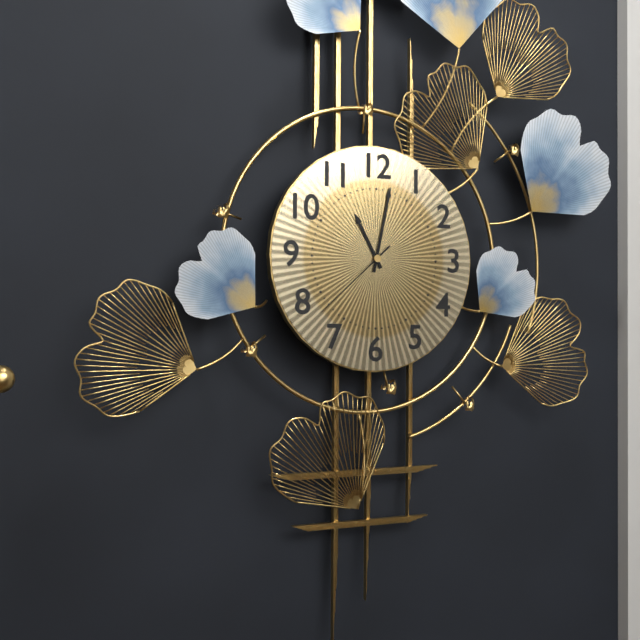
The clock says **11:02:38**
